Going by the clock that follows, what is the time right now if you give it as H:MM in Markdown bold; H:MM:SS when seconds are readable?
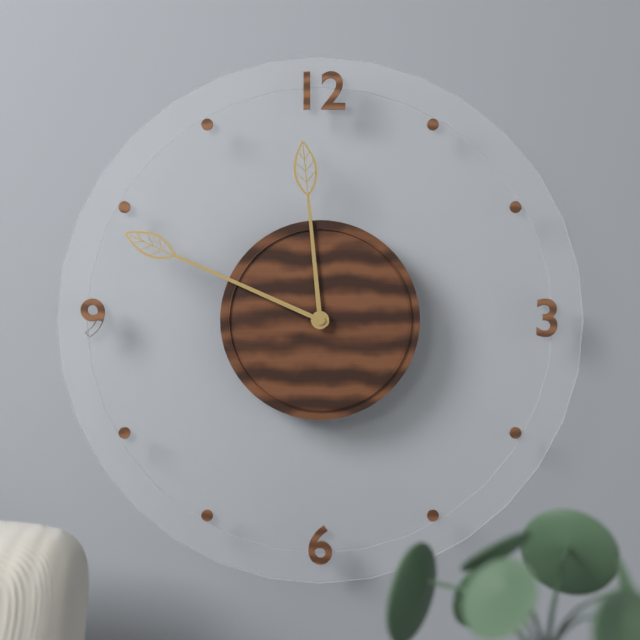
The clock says **11:49**
